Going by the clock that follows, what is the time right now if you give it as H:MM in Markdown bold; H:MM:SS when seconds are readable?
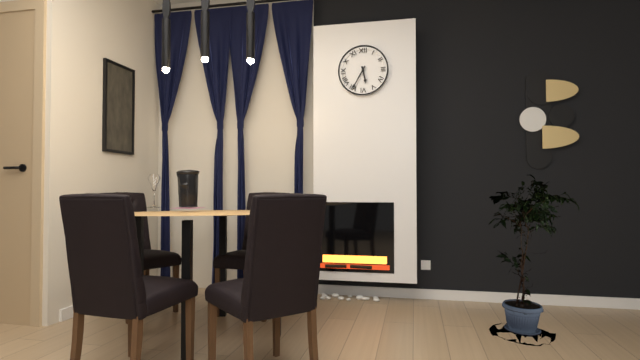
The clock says **5:35**
